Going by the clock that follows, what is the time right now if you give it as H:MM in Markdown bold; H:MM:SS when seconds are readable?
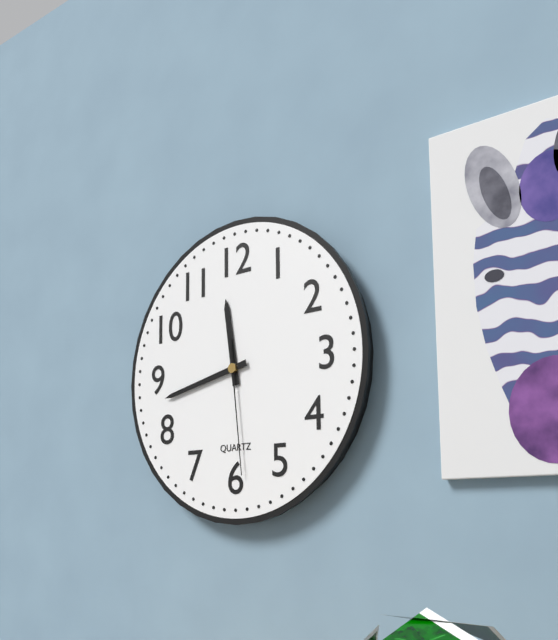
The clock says **11:43:29**
